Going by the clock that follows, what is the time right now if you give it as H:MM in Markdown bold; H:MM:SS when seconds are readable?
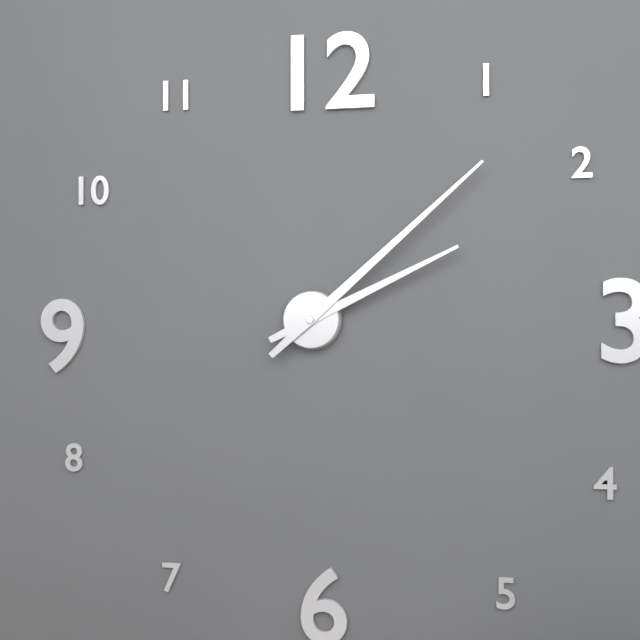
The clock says **2:08**
